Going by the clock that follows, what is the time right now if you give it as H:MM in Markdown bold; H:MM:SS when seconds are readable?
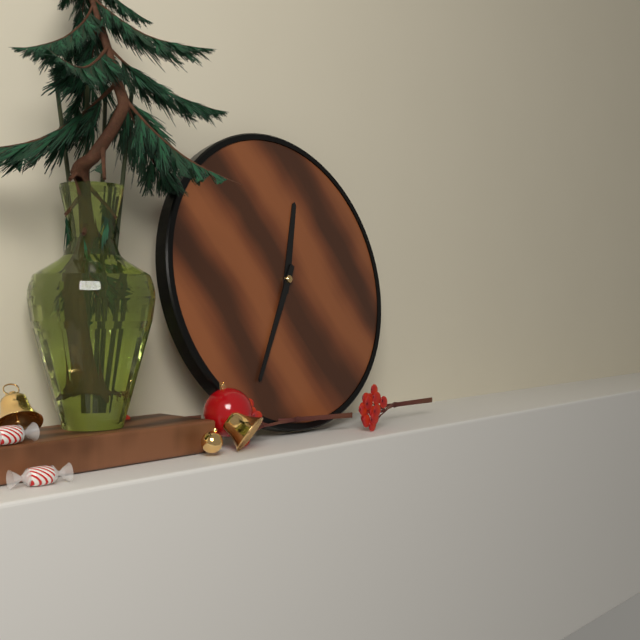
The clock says **12:35**
